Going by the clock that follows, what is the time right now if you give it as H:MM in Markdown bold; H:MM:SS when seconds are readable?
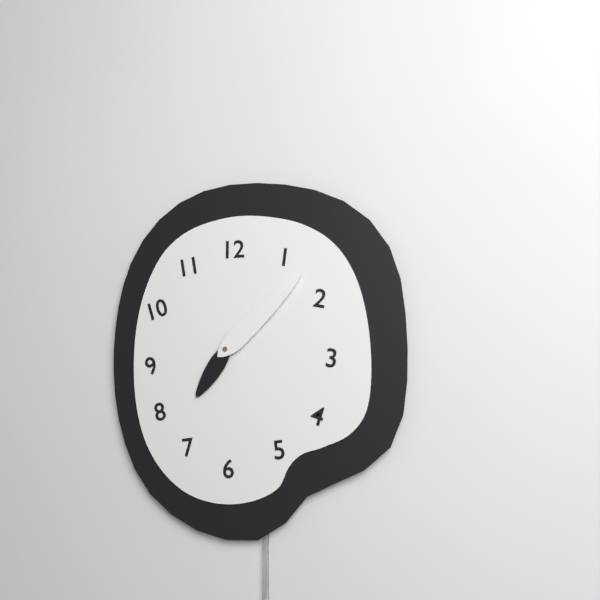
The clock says **7:08**
